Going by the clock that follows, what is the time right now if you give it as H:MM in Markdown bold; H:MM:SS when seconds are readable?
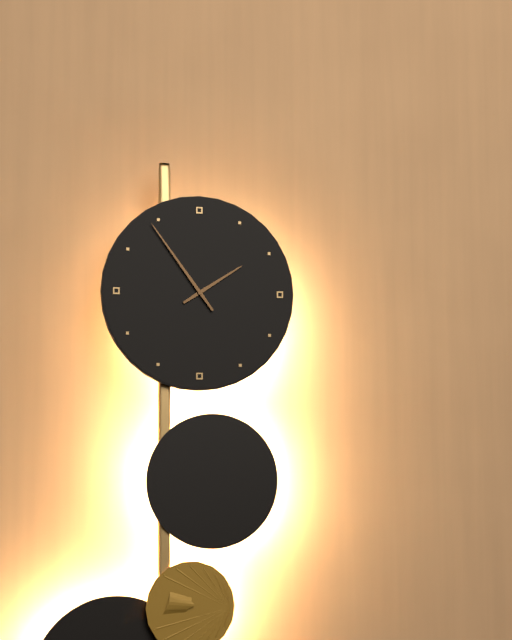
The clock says **1:54**
